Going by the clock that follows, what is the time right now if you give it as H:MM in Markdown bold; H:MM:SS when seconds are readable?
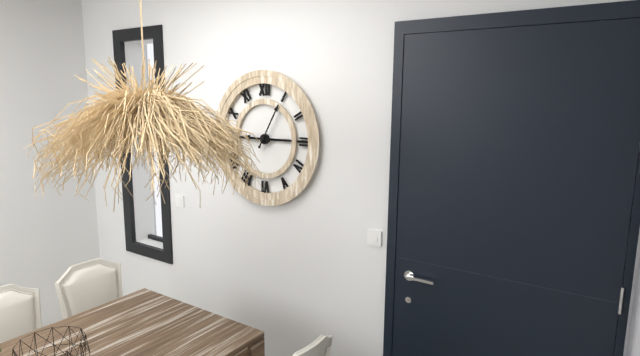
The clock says **9:05**
